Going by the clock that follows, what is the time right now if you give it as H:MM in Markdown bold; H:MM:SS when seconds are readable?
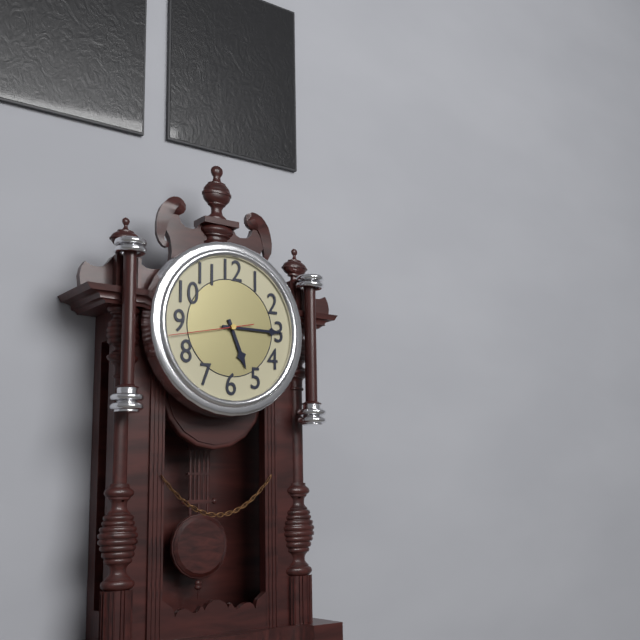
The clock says **5:15:43**
